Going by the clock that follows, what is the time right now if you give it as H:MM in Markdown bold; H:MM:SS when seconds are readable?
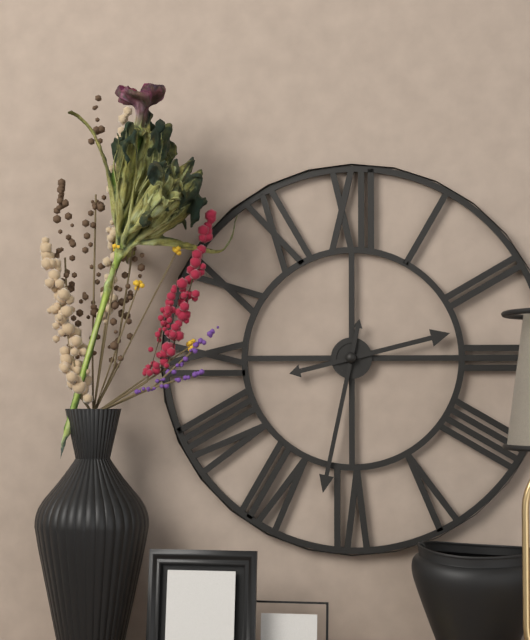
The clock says **2:32**
